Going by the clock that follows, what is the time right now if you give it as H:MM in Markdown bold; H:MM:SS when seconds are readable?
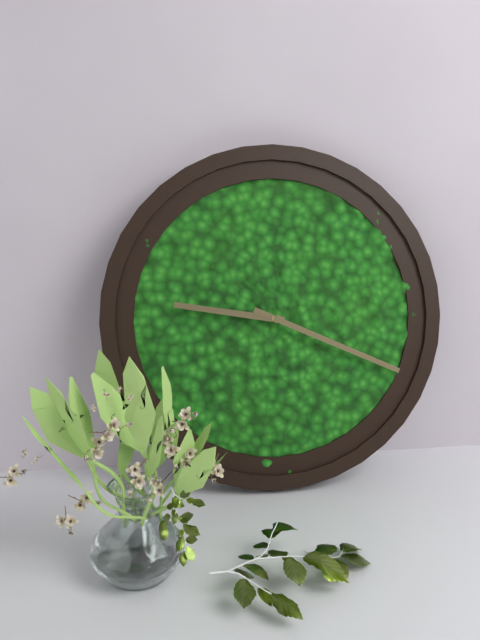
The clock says **9:19**
